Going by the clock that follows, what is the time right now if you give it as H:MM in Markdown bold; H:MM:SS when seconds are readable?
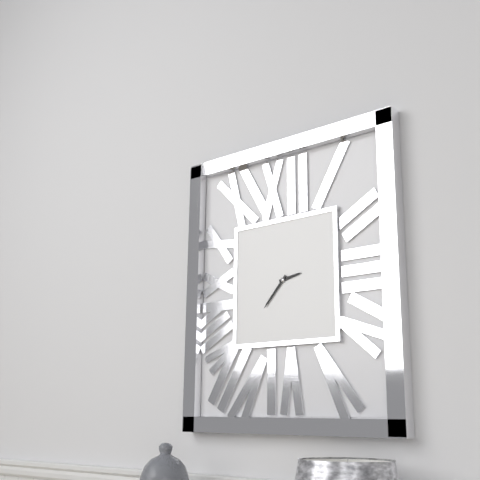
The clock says **2:37**
